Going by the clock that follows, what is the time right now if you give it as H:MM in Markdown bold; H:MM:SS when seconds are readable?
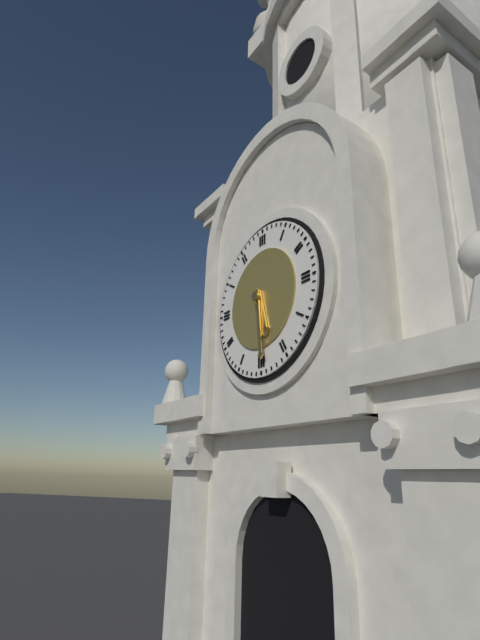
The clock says **5:29**
